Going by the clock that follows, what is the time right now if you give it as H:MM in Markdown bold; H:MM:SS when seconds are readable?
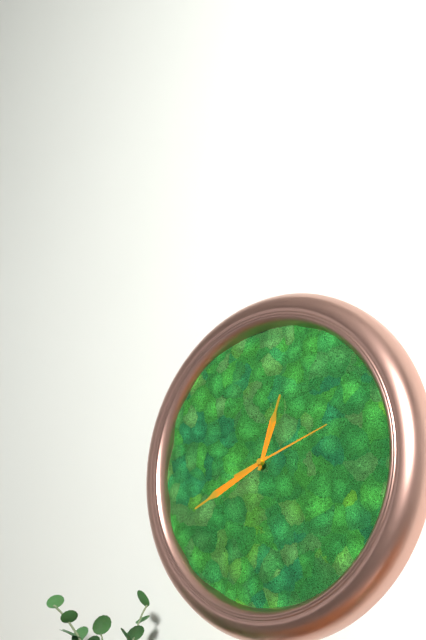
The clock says **12:41:12**
